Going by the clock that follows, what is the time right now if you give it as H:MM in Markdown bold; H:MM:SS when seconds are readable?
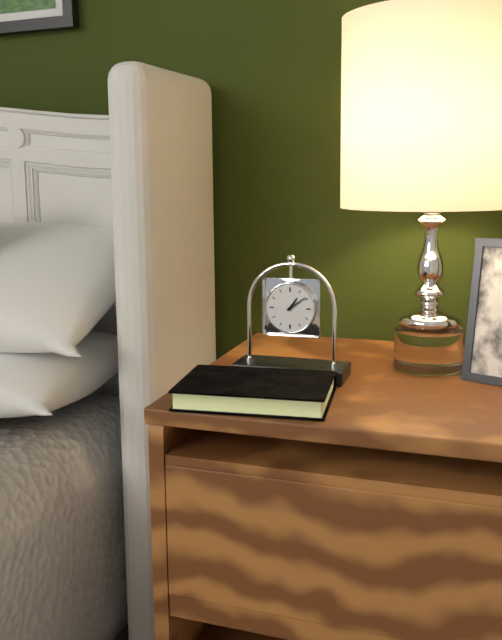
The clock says **1:09**
